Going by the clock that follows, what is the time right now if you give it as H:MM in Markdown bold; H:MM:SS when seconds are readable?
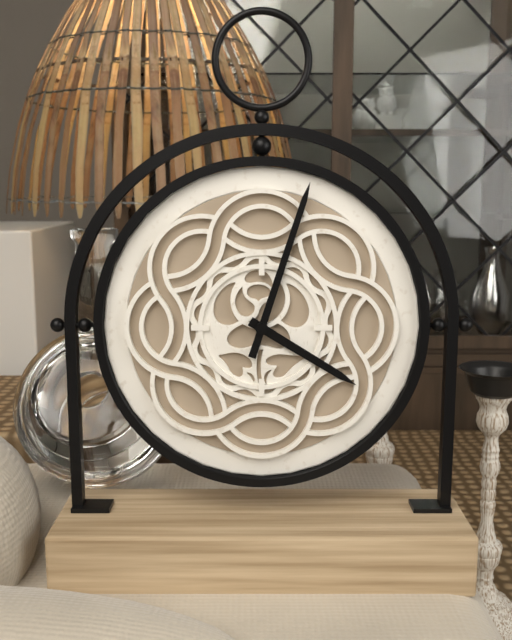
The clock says **4:03**
